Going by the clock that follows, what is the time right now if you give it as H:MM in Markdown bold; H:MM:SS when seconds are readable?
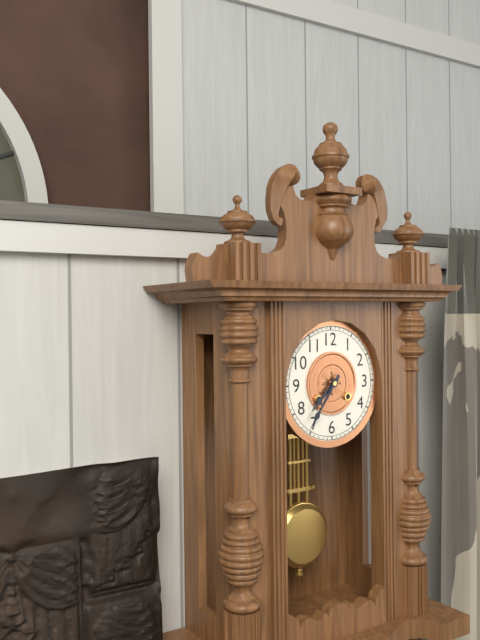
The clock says **7:36**
